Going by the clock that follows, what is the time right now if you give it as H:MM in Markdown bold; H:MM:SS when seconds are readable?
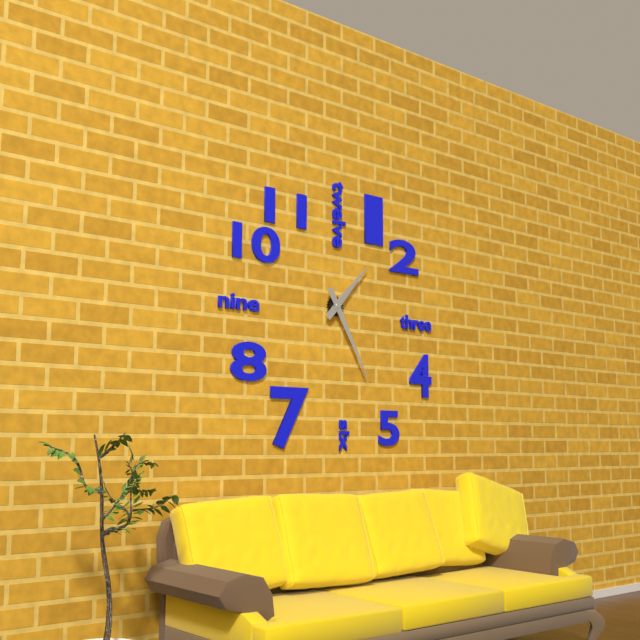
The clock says **1:25**
